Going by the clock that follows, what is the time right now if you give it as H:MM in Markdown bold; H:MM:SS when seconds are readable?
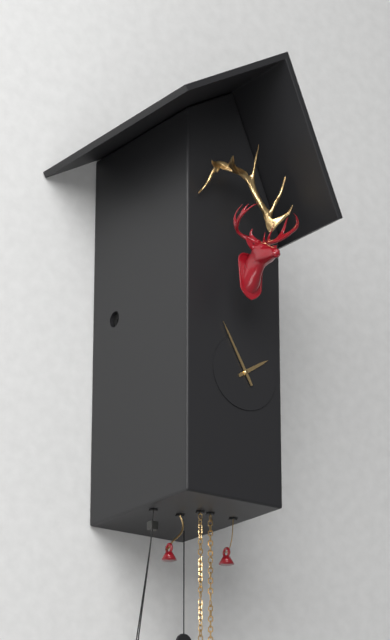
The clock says **1:55**
